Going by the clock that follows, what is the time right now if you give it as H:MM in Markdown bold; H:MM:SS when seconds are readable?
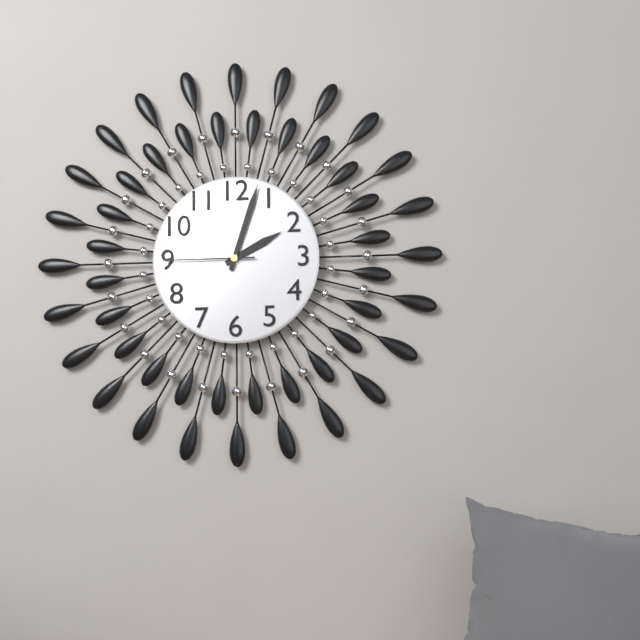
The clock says **2:03:45**
